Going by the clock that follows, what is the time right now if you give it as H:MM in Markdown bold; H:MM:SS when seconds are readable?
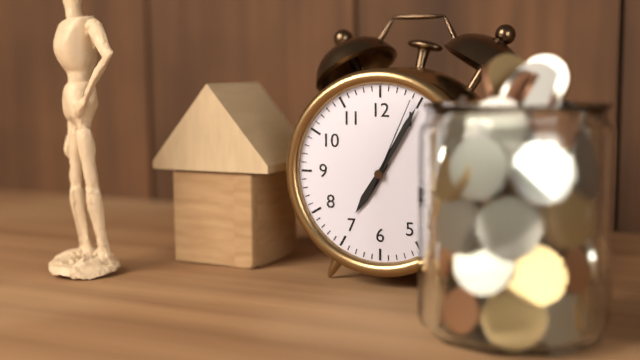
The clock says **7:05:04**
